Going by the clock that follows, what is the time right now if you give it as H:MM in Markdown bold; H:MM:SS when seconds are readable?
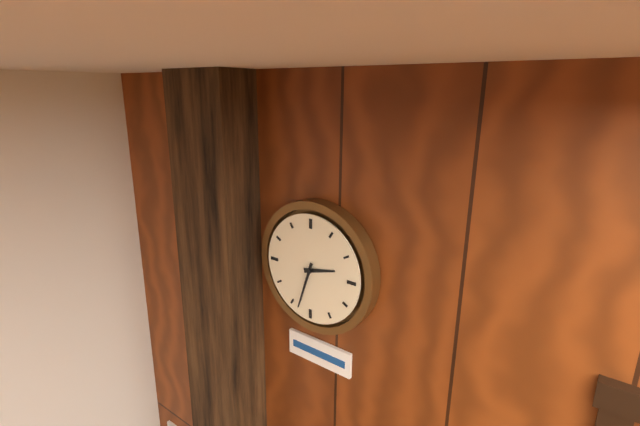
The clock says **2:33**
